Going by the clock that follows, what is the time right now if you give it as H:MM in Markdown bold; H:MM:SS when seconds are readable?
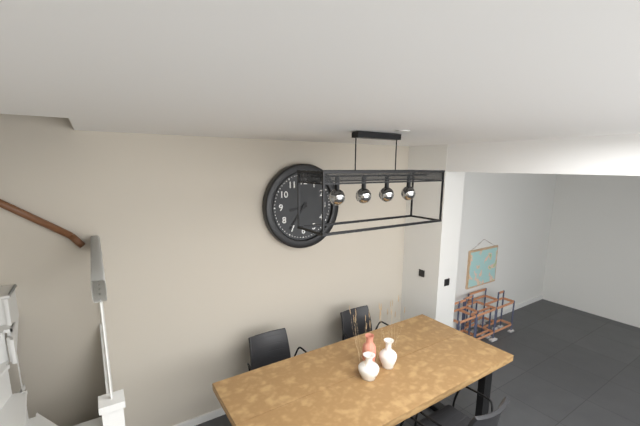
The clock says **8:36**
